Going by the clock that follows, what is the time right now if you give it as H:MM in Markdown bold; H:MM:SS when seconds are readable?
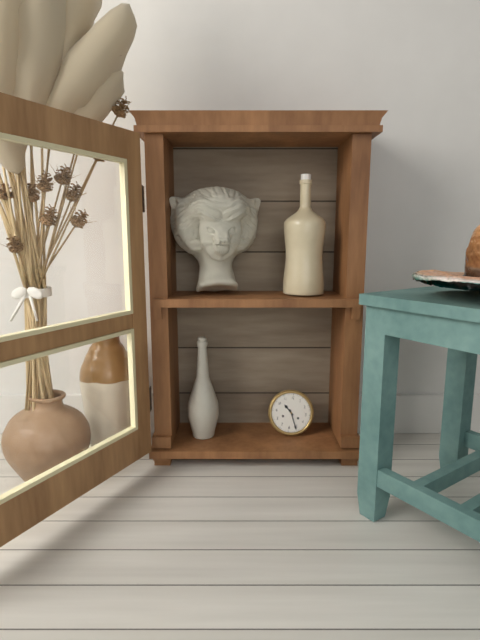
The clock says **10:26**
